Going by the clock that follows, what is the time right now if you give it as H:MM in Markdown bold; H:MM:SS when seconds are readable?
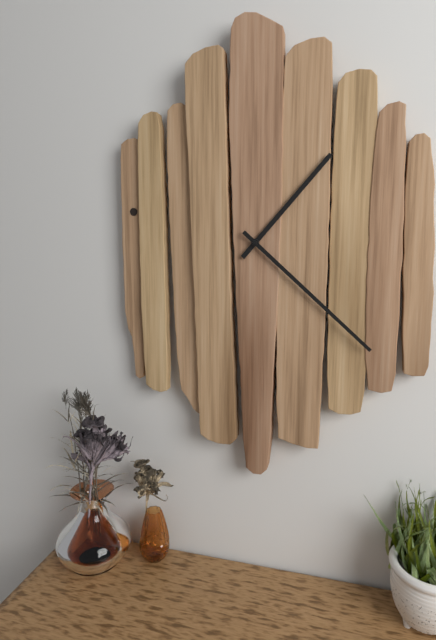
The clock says **1:22**
